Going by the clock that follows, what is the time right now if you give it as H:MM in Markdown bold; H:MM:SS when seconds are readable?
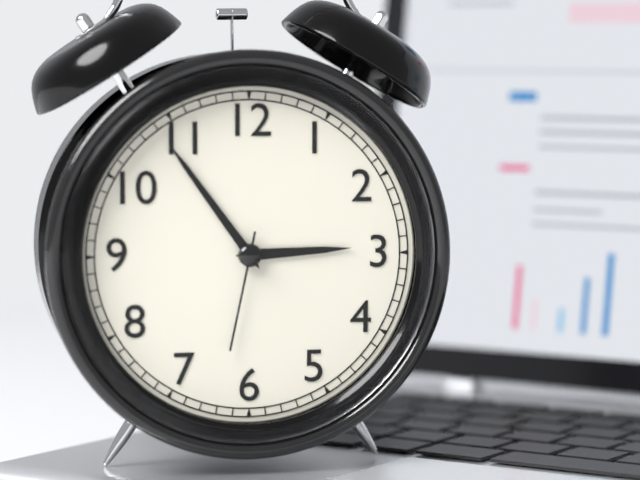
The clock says **2:54:32**
